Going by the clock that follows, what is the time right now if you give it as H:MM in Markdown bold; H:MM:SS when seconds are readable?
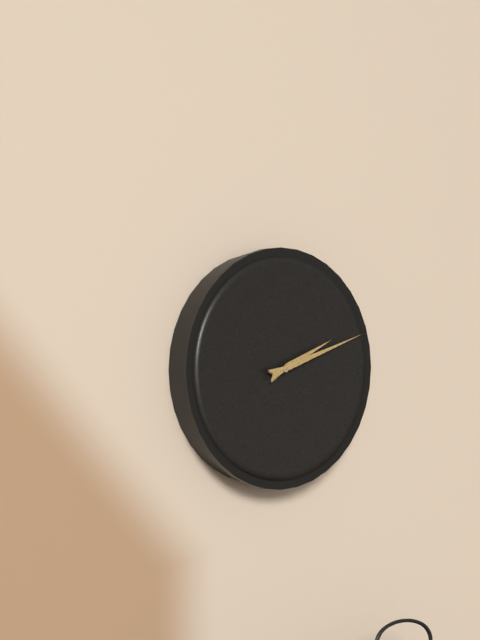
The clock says **2:12**
